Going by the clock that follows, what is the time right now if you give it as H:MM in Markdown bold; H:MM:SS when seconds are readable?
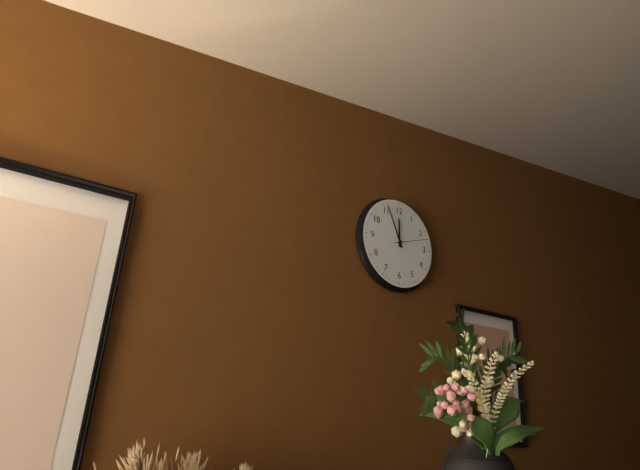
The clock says **11:56**
